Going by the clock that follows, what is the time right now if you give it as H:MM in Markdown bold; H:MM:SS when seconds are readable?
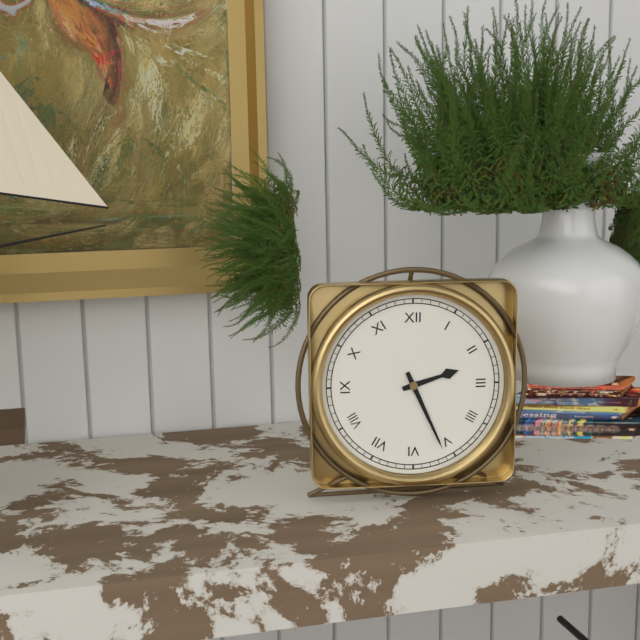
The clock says **2:26**
